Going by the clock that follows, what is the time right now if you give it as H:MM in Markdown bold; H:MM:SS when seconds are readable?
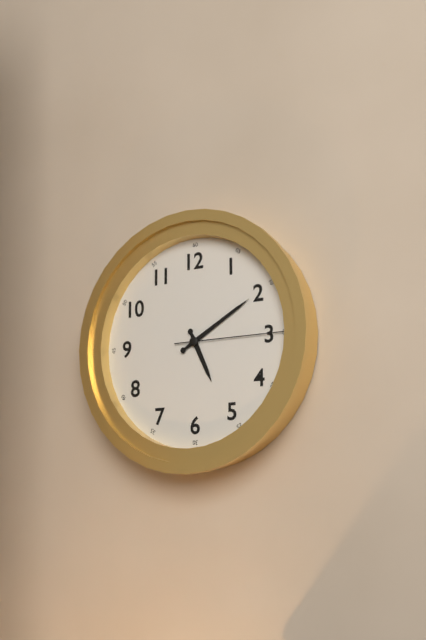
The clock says **5:10:15**
